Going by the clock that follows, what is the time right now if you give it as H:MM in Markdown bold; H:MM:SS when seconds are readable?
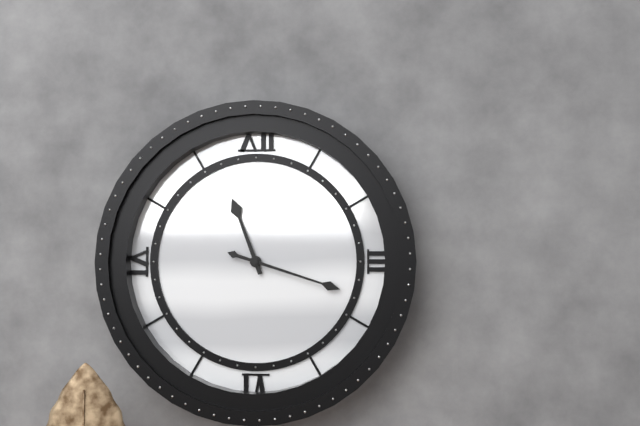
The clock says **11:18**
